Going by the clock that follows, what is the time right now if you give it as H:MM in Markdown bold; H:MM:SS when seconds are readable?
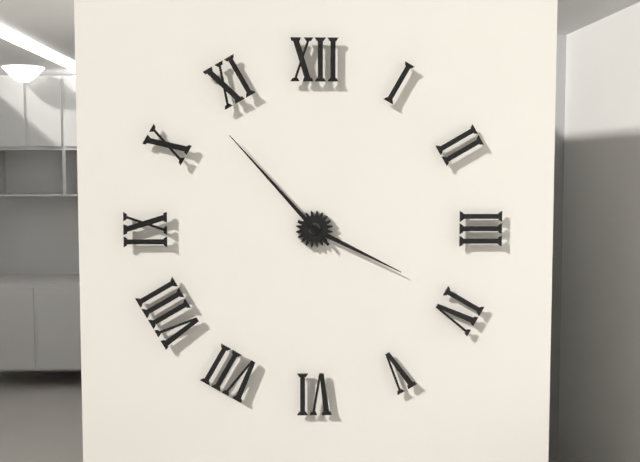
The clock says **3:53**
